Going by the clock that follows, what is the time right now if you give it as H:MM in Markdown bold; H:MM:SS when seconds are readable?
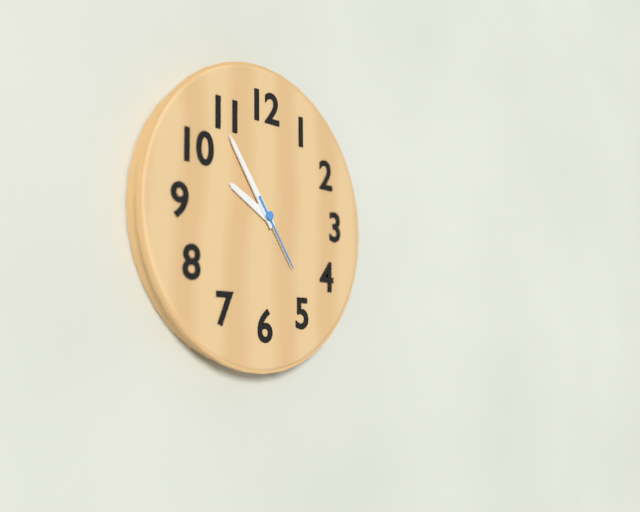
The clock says **9:54:24**
